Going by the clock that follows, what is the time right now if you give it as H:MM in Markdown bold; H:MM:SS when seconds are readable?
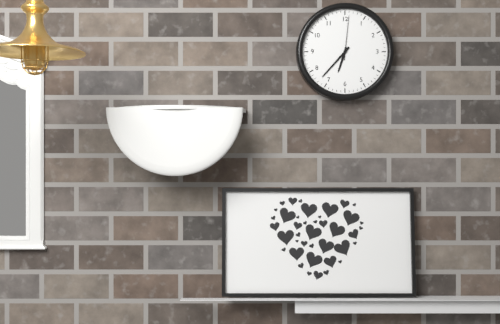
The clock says **6:37**
